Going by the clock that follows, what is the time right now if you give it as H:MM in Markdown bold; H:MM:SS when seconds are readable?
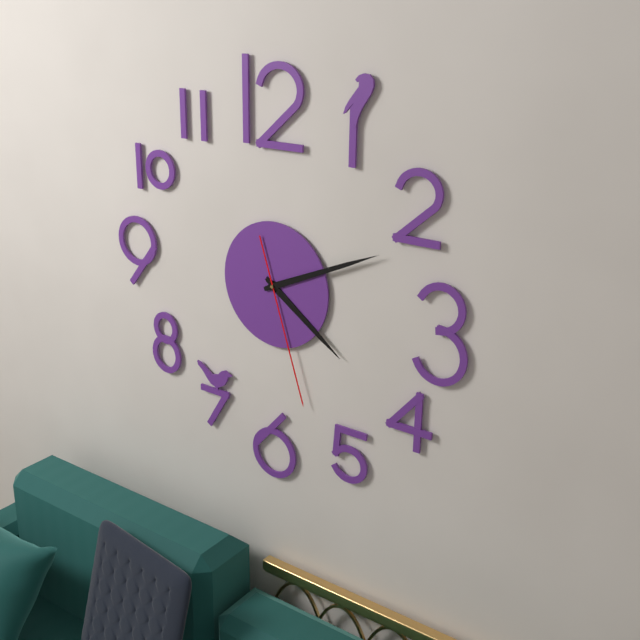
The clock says **4:11:27**
